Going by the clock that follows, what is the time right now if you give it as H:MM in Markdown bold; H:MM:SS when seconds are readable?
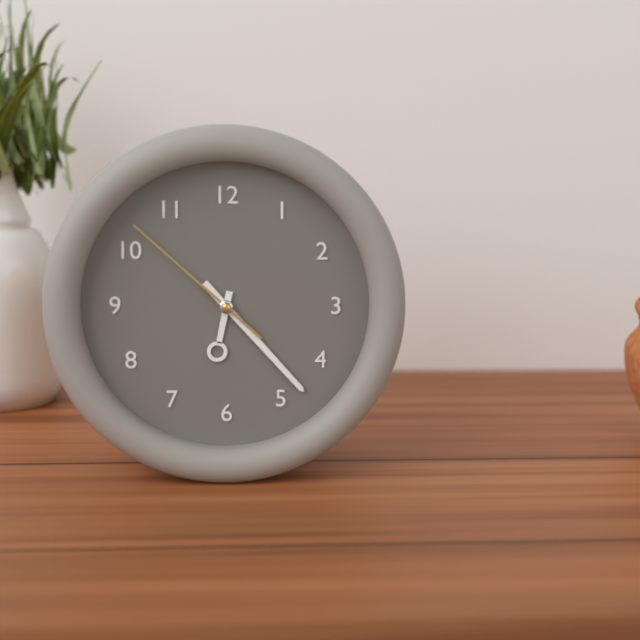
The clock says **6:23:52**
